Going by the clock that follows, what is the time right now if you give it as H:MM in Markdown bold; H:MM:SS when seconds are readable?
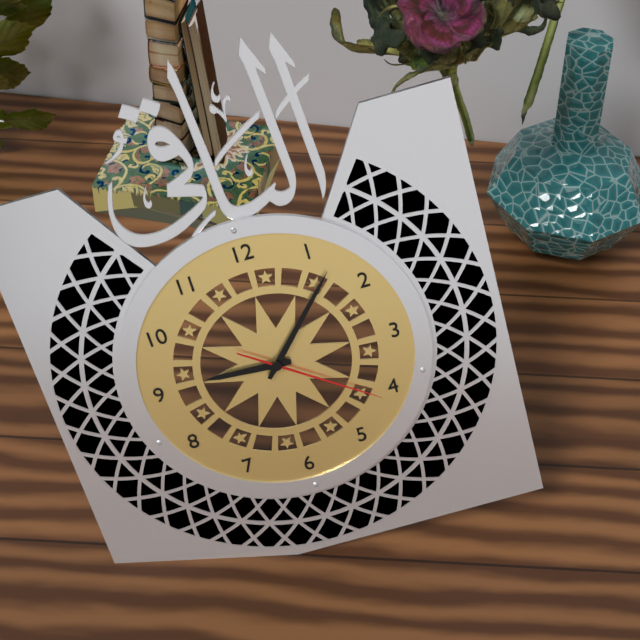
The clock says **9:07:21**
